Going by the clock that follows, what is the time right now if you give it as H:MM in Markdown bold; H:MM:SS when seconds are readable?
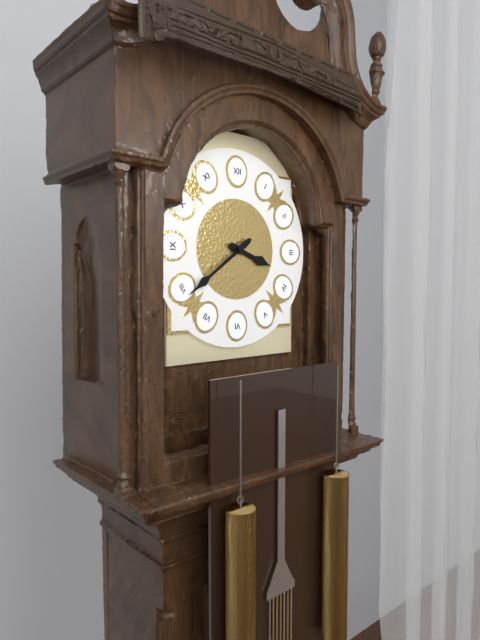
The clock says **3:39**
